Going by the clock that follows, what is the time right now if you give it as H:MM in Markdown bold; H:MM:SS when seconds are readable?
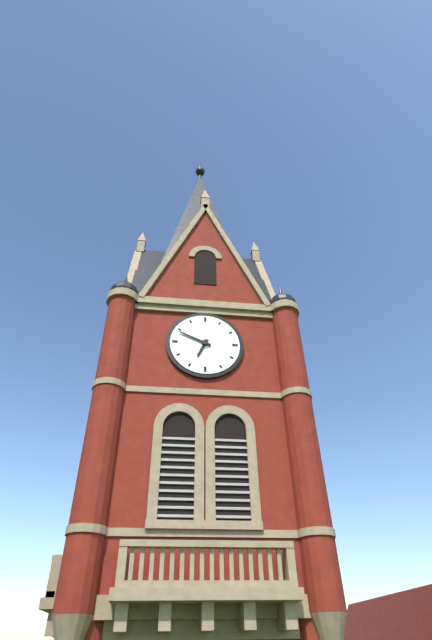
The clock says **6:49**
